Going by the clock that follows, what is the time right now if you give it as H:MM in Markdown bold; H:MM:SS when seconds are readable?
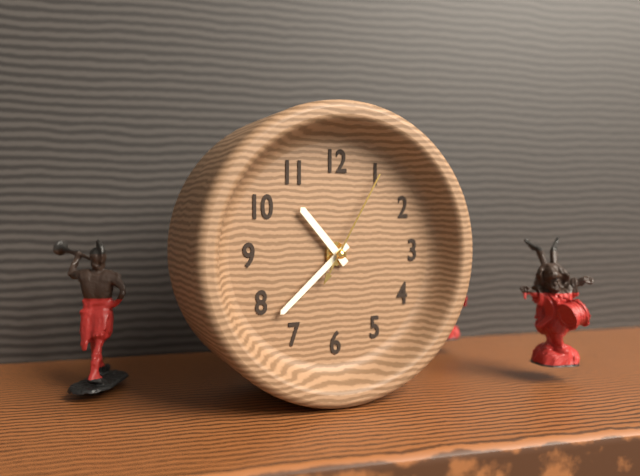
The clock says **10:38:05**
